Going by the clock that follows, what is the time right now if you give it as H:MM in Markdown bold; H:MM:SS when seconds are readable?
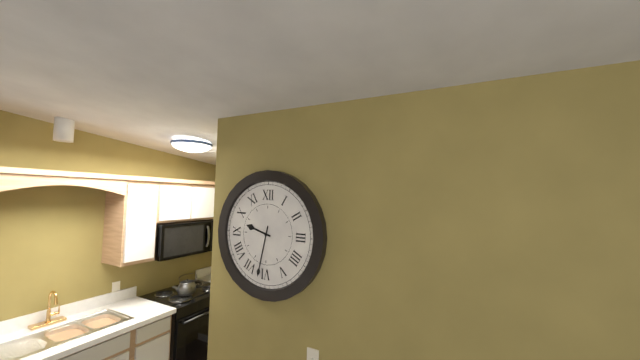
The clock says **9:32**
